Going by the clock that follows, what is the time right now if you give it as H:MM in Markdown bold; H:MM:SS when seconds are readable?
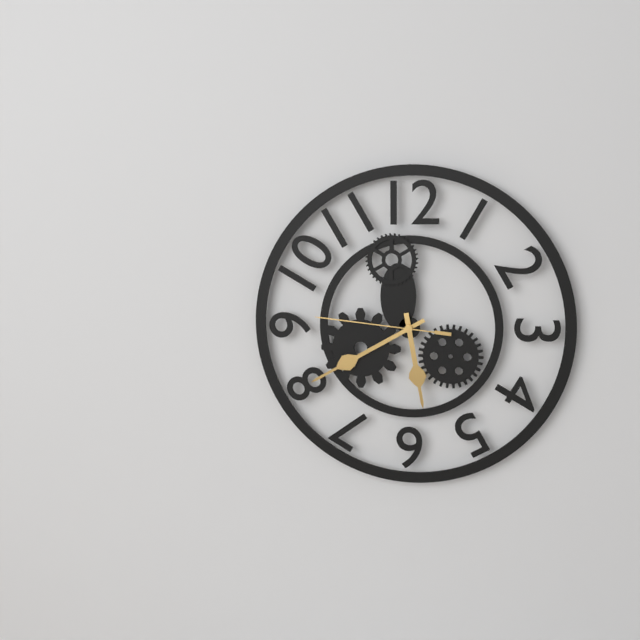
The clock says **5:40:46**
